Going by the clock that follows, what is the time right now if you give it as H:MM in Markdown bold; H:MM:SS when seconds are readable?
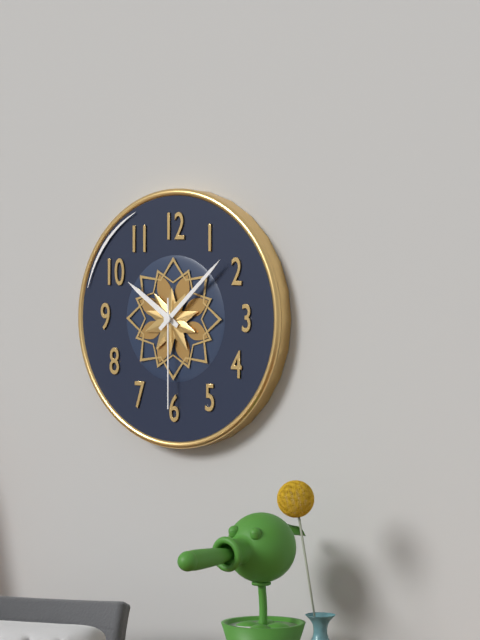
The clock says **10:08:30**
